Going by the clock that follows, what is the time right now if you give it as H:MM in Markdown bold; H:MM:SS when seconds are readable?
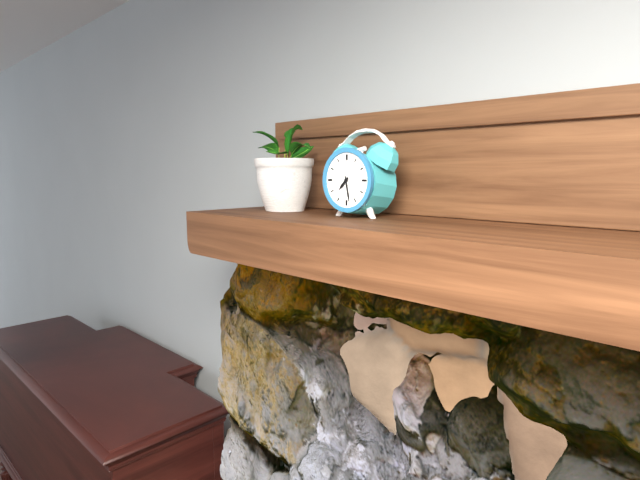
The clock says **7:28**
